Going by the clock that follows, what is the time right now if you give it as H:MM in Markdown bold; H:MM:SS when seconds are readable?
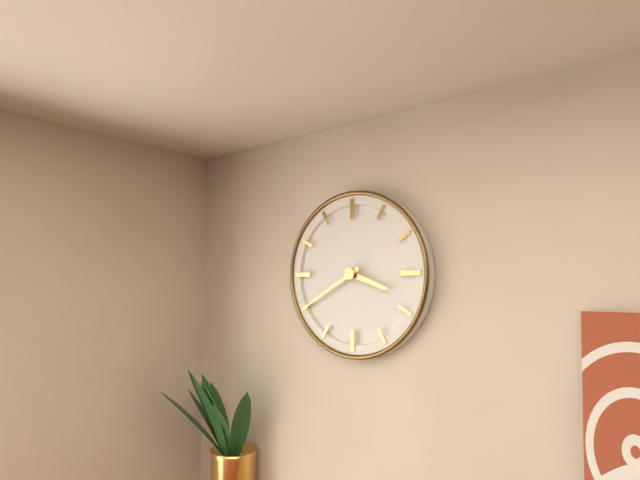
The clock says **3:40**
